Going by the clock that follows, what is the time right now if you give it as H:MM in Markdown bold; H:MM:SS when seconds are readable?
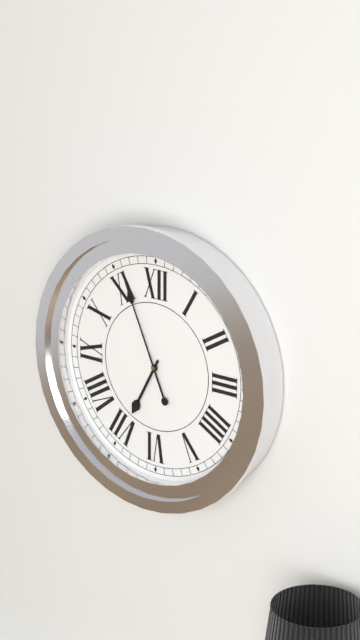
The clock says **6:56**
